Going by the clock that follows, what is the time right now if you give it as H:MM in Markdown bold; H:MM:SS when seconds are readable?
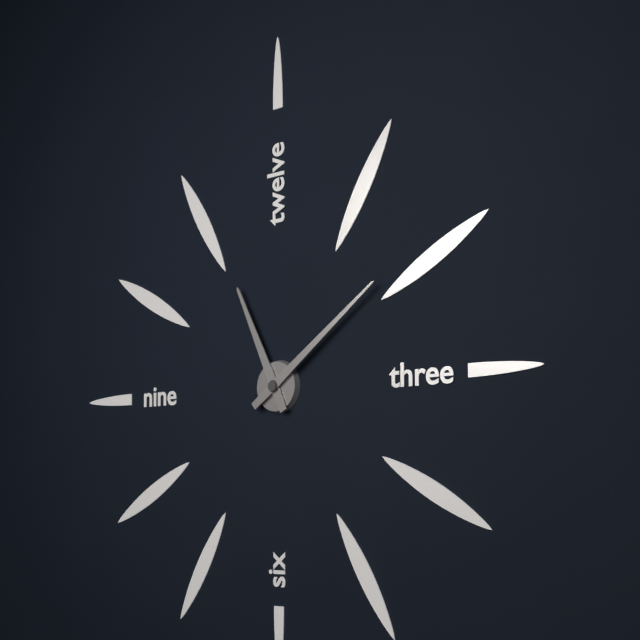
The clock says **11:09**
